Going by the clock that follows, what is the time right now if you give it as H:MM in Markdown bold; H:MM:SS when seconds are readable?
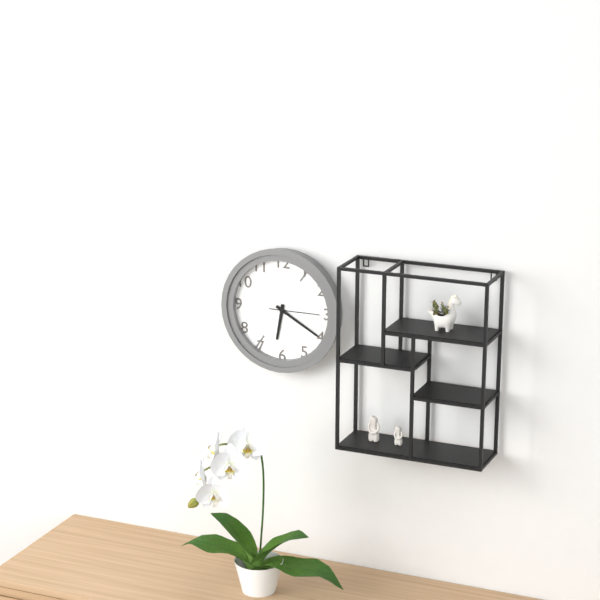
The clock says **6:20**
